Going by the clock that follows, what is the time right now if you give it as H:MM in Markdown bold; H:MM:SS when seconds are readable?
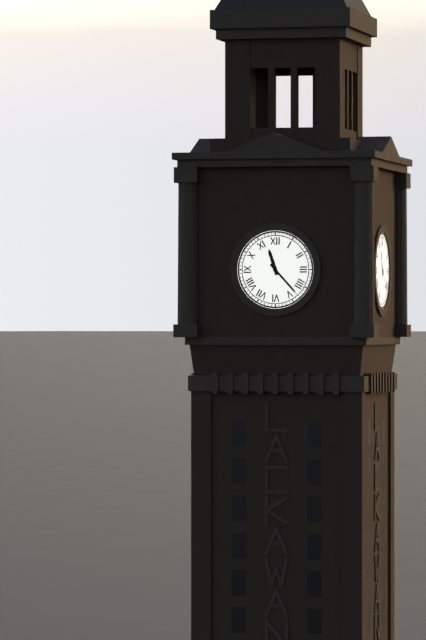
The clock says **11:23**
